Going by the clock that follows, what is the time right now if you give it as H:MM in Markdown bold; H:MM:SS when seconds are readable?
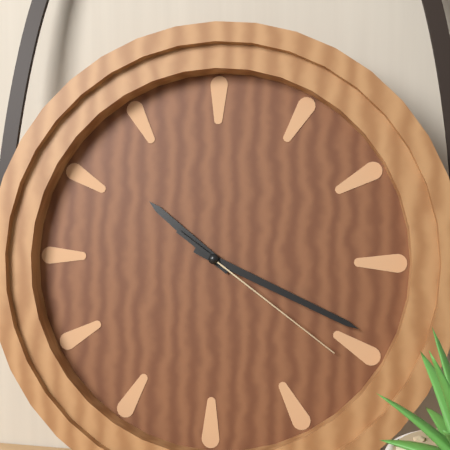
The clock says **10:19:21**
